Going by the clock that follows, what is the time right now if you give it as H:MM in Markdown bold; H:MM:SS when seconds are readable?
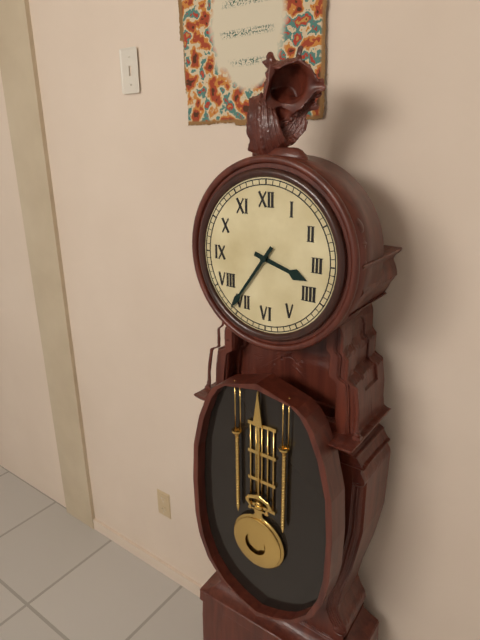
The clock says **3:36**
